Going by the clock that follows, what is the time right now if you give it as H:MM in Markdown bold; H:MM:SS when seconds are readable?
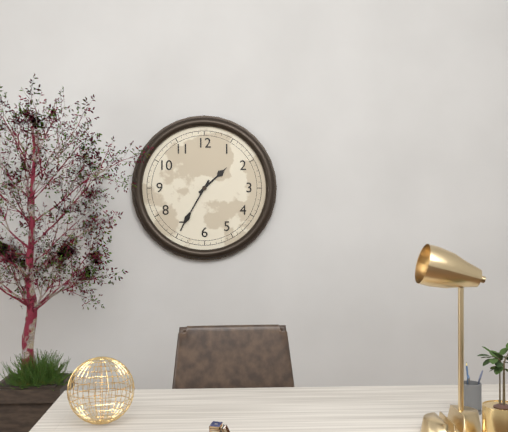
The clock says **1:35**
